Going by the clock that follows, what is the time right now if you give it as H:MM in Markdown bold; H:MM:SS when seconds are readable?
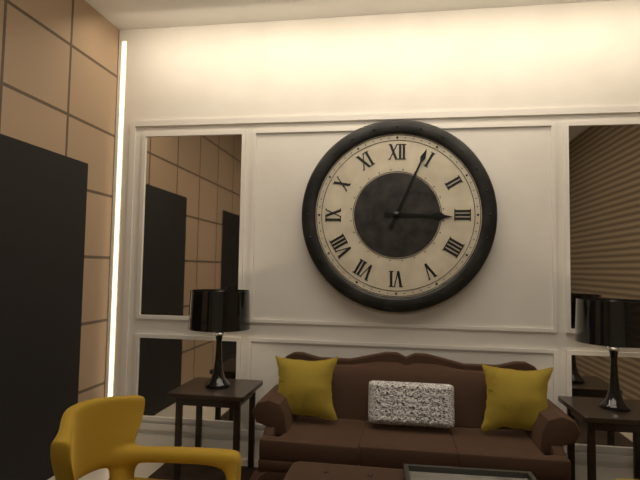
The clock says **3:04**
